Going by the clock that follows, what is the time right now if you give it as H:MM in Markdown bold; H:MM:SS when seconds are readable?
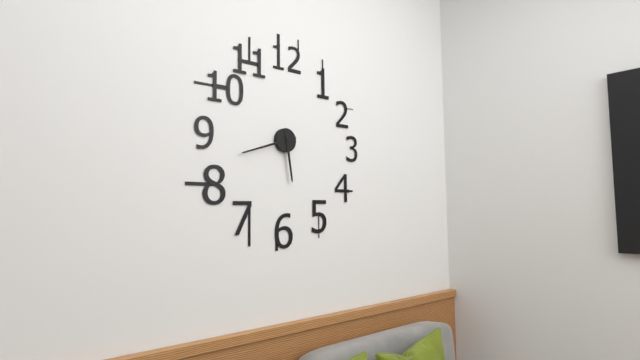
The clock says **5:42**
